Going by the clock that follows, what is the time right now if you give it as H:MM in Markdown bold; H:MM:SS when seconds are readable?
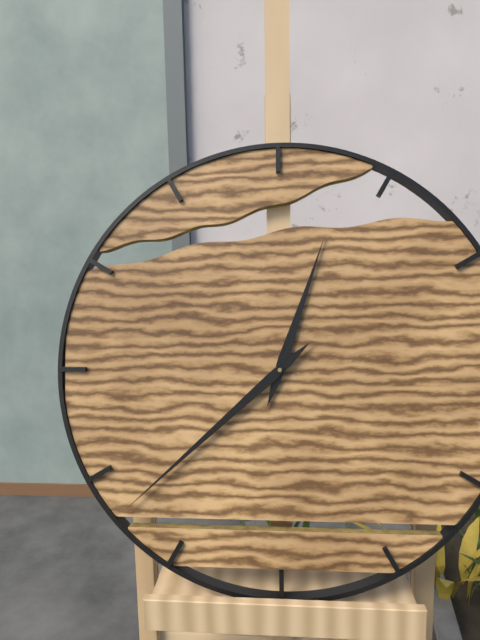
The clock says **12:38**
